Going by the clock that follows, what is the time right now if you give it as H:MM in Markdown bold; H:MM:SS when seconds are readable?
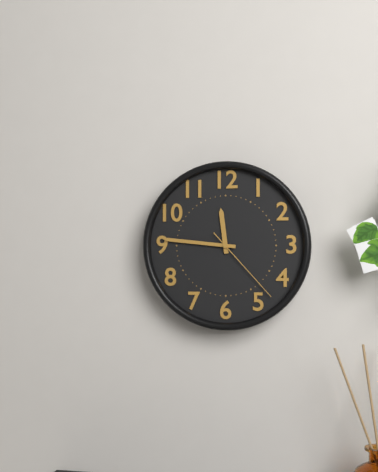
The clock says **11:46:23**
